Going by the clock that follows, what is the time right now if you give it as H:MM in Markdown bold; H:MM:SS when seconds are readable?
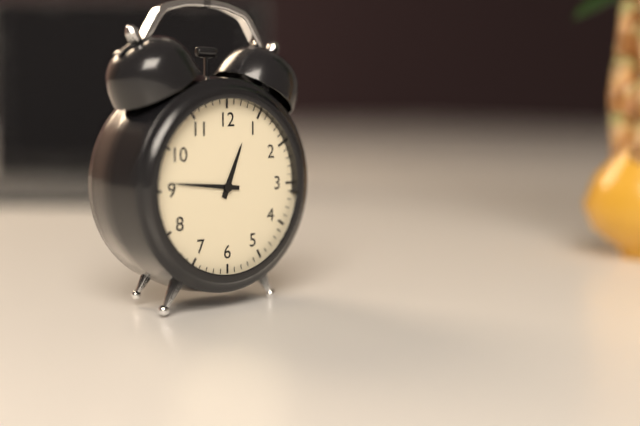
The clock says **12:46**
